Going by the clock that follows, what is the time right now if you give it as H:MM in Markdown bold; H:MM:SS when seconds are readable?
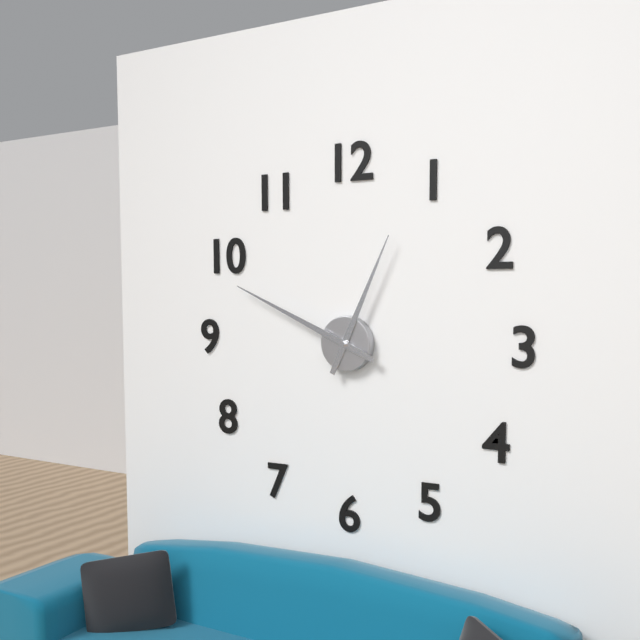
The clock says **12:49**
